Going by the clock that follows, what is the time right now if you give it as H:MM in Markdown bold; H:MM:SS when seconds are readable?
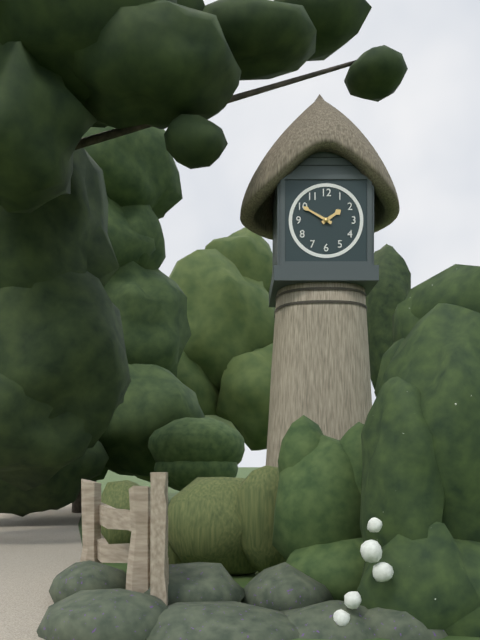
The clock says **1:50**
